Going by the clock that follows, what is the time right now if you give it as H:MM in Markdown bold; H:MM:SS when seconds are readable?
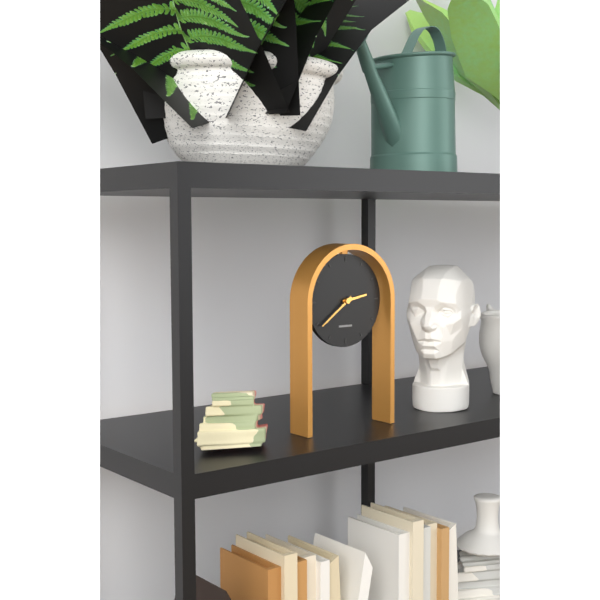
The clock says **2:39**
